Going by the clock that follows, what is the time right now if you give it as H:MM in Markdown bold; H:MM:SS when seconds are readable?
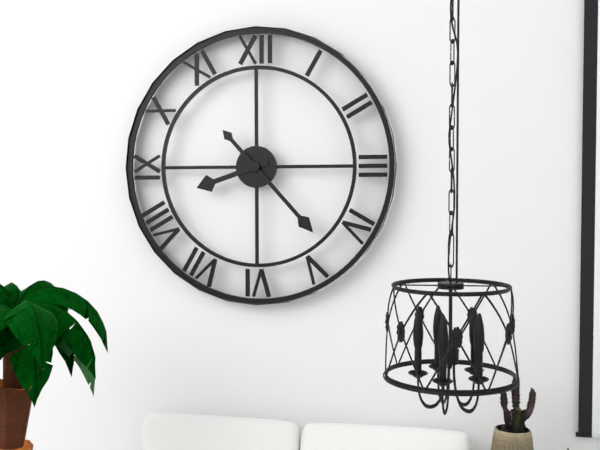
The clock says **8:23**
